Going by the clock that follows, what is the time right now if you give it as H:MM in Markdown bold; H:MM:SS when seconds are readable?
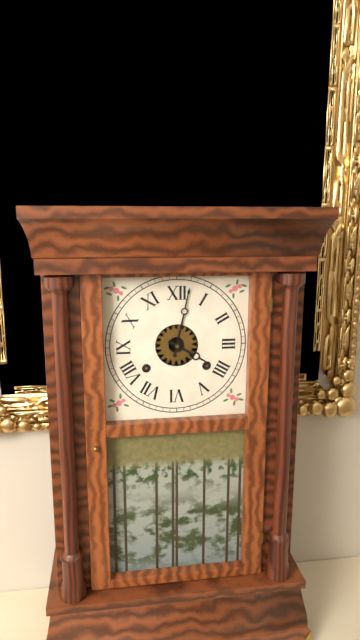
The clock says **4:02**
